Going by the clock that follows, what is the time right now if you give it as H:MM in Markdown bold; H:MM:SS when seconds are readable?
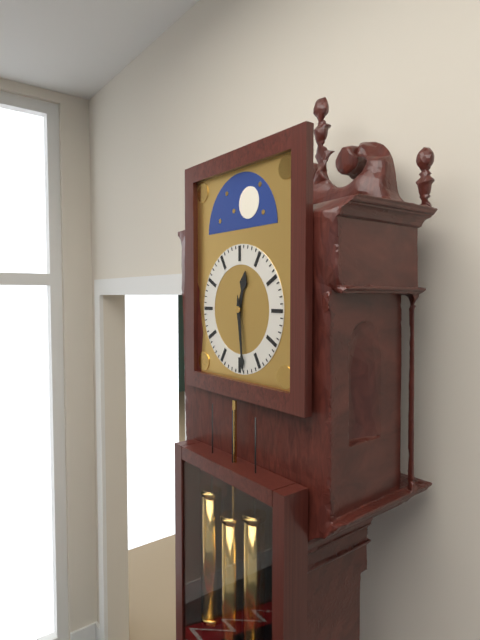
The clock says **12:29**
